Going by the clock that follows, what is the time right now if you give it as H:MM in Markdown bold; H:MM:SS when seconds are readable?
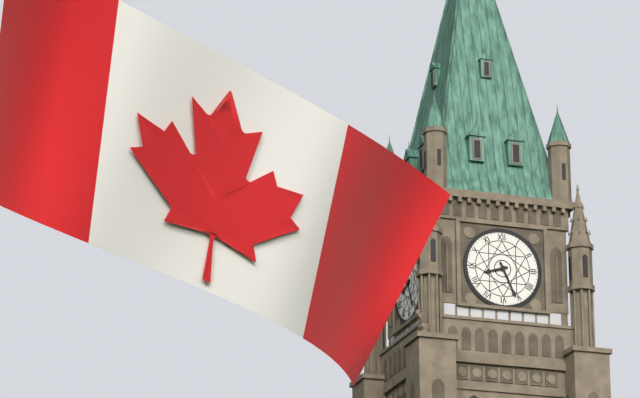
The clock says **8:26**
